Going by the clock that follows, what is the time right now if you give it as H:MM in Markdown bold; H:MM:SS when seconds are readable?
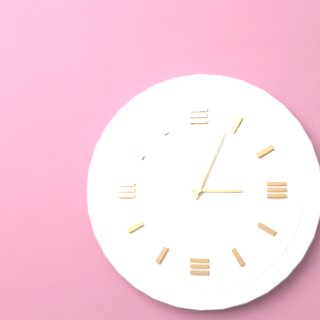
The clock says **3:04**
